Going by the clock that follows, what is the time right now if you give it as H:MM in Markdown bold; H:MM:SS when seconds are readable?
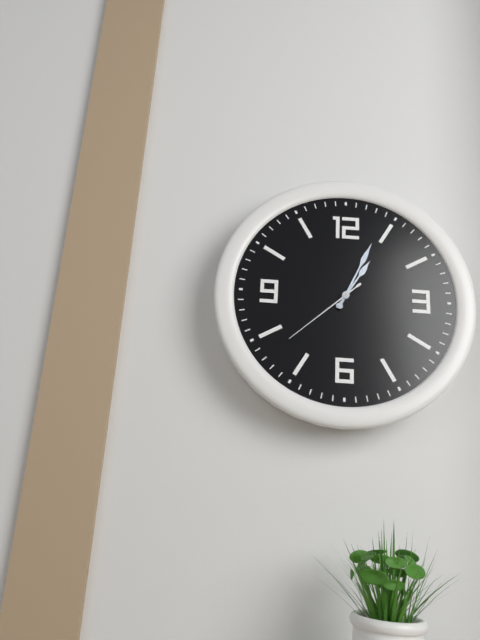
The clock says **1:04:38**
